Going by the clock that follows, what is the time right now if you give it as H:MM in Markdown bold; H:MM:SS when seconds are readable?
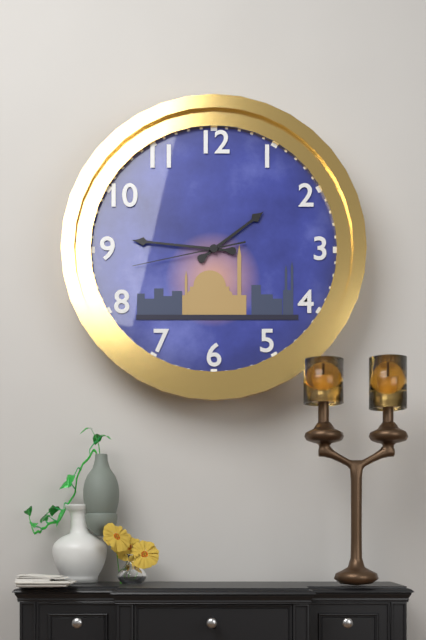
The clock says **1:46:43**
